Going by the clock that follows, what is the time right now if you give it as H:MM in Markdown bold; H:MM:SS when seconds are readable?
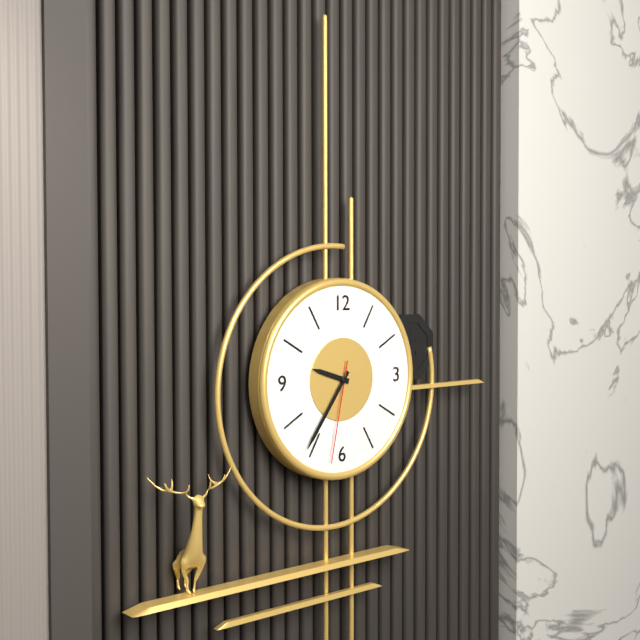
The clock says **9:36:32**
